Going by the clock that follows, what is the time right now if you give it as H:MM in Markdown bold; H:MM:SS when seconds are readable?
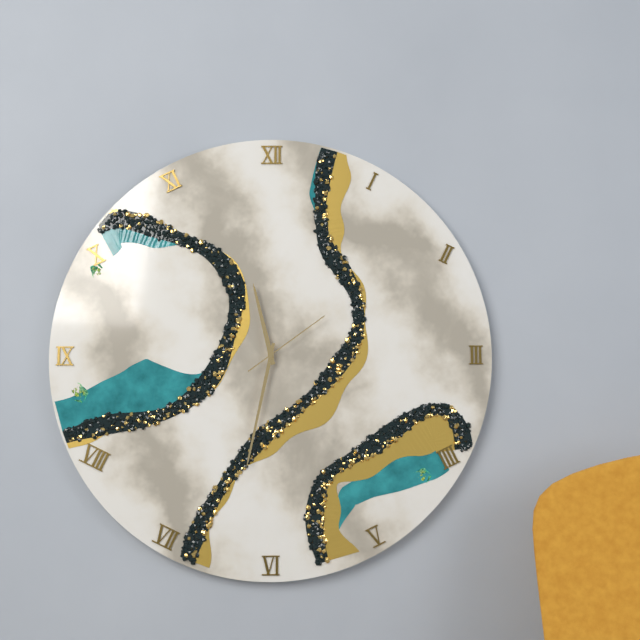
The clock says **11:32:09**
